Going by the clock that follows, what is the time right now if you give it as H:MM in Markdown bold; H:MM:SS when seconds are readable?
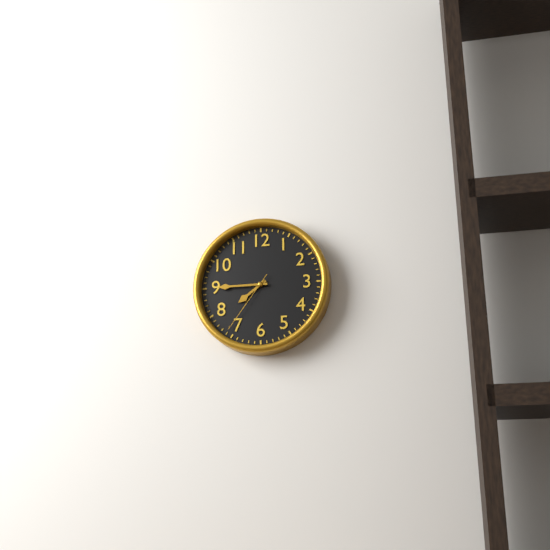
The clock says **7:45:36**
